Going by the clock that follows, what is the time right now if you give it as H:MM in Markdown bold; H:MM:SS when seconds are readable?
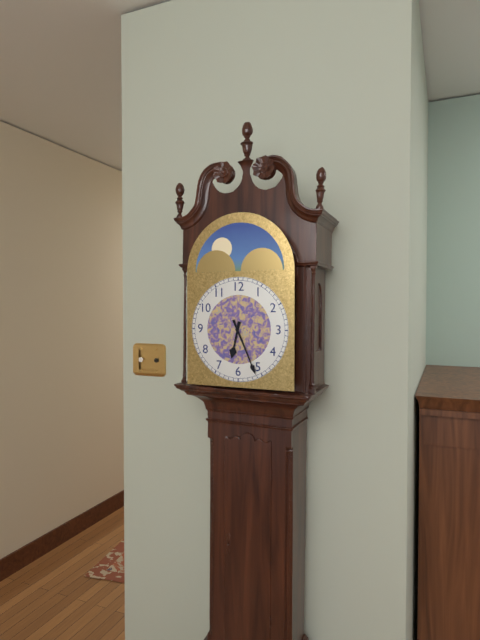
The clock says **6:26**
